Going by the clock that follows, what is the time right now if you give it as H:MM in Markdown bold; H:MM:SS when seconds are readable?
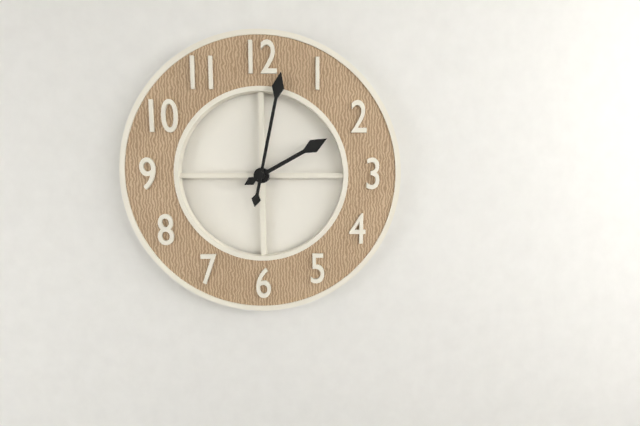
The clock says **2:02**
